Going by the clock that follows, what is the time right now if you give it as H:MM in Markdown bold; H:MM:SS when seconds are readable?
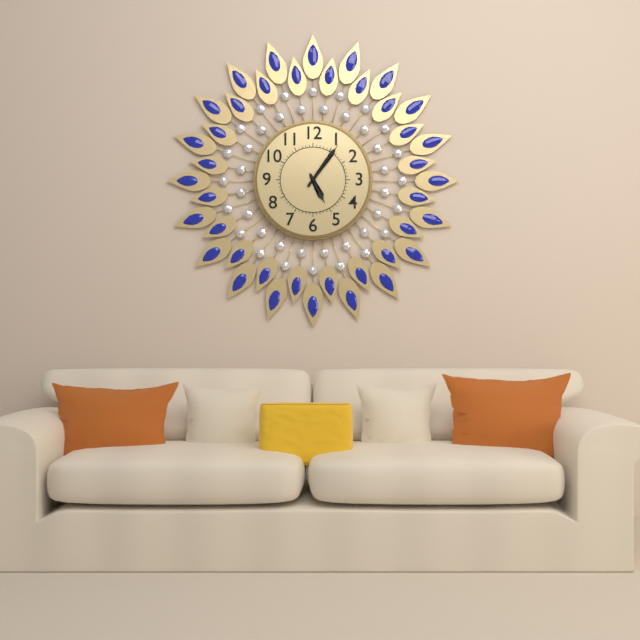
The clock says **5:06**
